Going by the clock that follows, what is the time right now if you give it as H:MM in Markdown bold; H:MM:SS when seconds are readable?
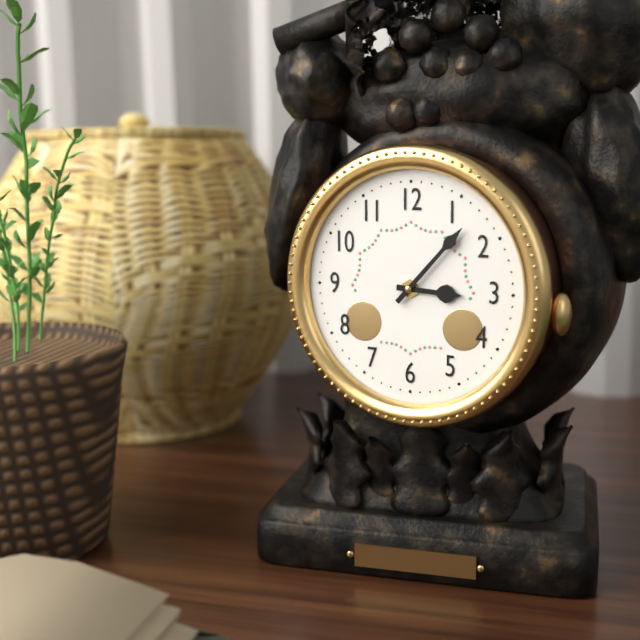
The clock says **3:07**
